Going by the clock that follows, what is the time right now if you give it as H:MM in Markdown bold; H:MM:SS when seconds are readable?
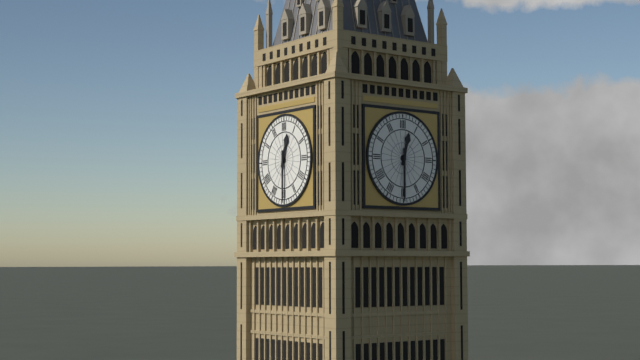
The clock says **12:30**
